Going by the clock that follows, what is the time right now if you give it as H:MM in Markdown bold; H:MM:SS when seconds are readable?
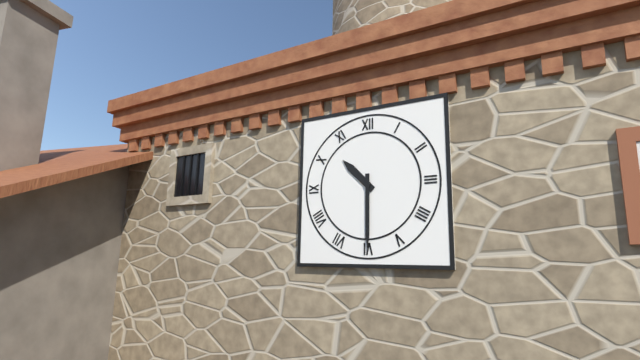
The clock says **10:30**
